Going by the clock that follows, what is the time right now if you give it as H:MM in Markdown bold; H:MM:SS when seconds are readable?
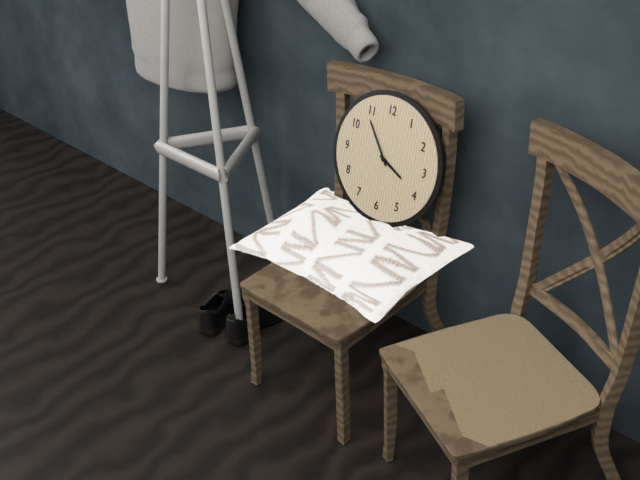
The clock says **3:54**
